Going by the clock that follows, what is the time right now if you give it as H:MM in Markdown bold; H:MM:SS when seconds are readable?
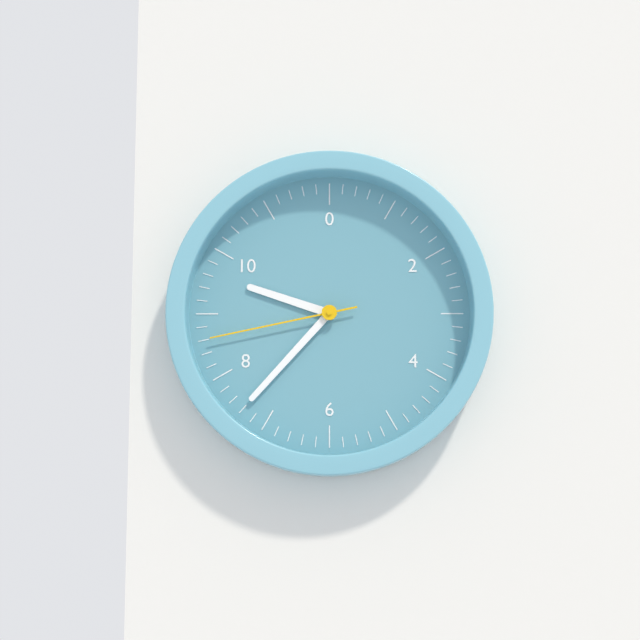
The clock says **9:37:43**
